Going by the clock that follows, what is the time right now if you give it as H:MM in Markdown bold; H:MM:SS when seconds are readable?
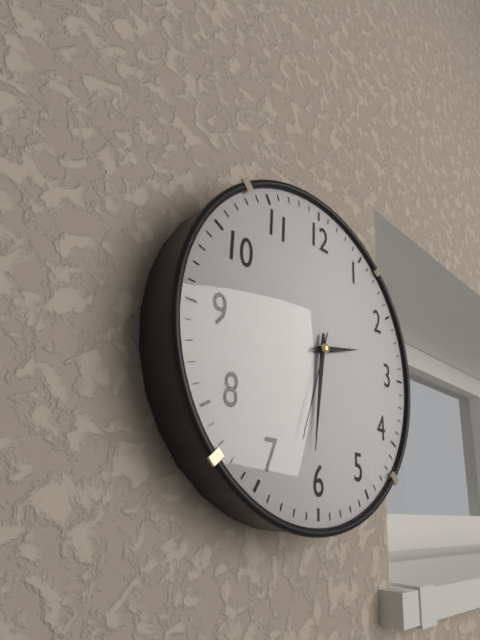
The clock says **2:31:33**
